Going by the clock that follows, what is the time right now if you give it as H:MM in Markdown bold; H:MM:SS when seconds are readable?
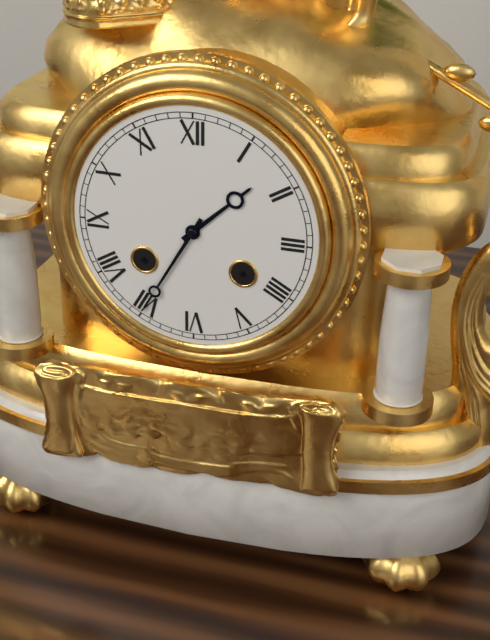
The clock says **1:35**
